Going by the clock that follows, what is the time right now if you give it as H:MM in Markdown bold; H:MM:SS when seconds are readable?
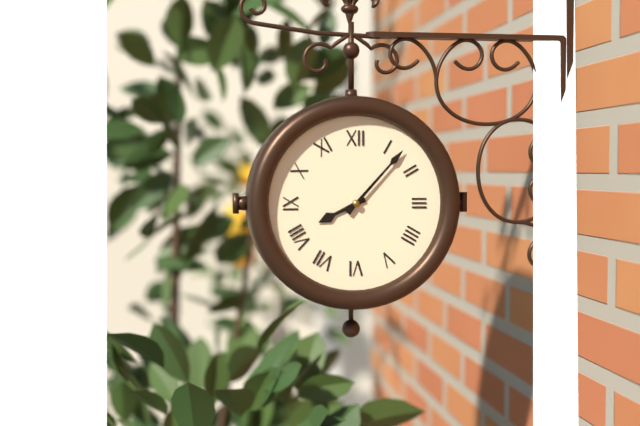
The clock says **8:07**
